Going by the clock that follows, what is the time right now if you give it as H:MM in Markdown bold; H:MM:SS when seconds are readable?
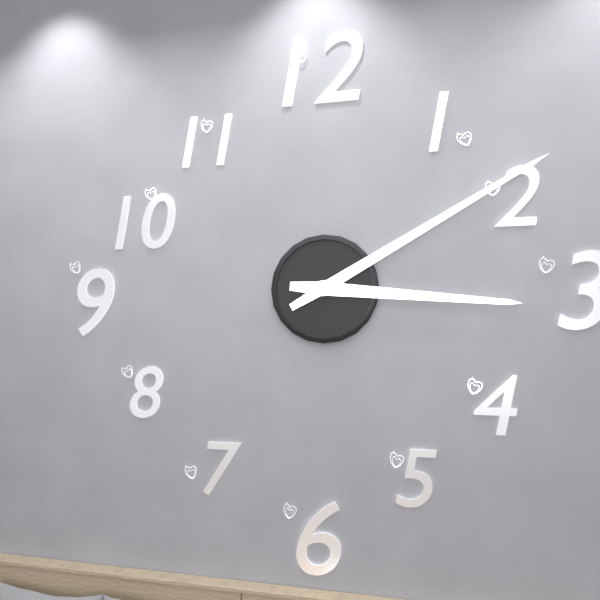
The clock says **3:10**
